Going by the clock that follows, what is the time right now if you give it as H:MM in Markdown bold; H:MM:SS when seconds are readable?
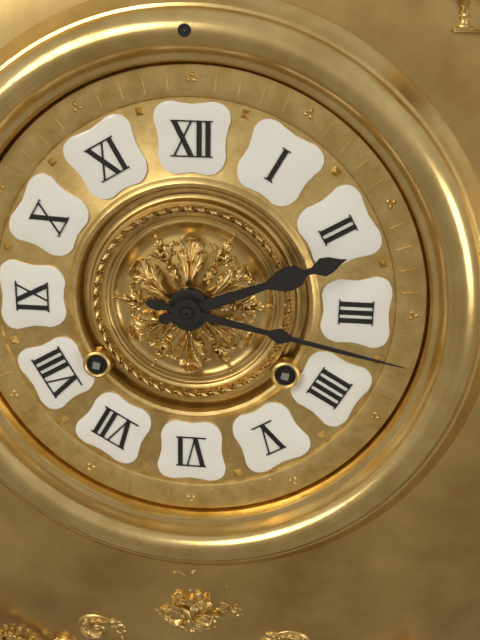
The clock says **2:17**
